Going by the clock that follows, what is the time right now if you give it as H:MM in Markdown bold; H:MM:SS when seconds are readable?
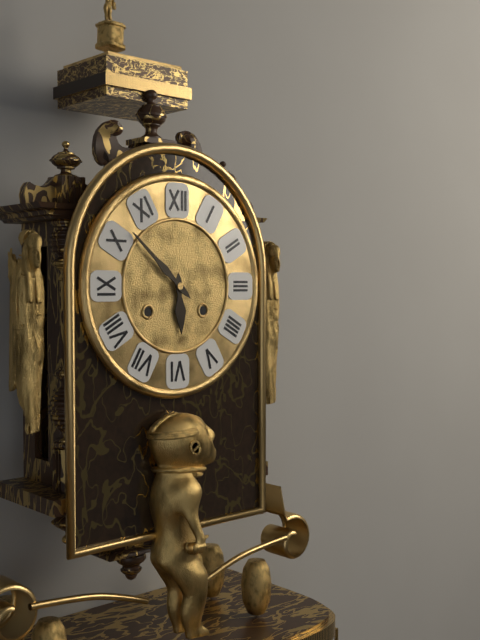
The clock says **5:52**
